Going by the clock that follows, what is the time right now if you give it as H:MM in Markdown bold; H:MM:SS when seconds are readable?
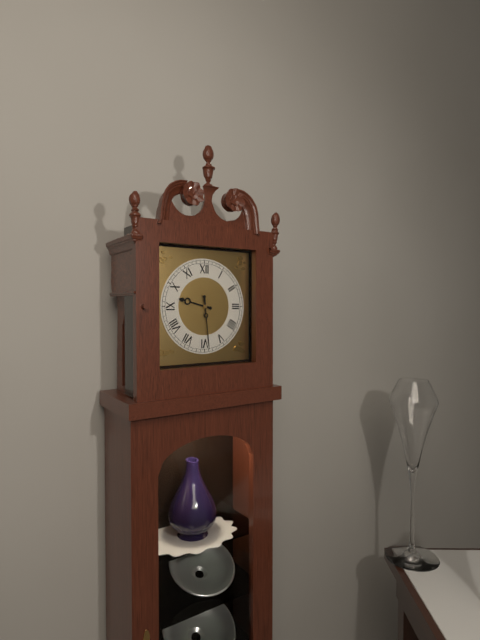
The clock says **9:29**
